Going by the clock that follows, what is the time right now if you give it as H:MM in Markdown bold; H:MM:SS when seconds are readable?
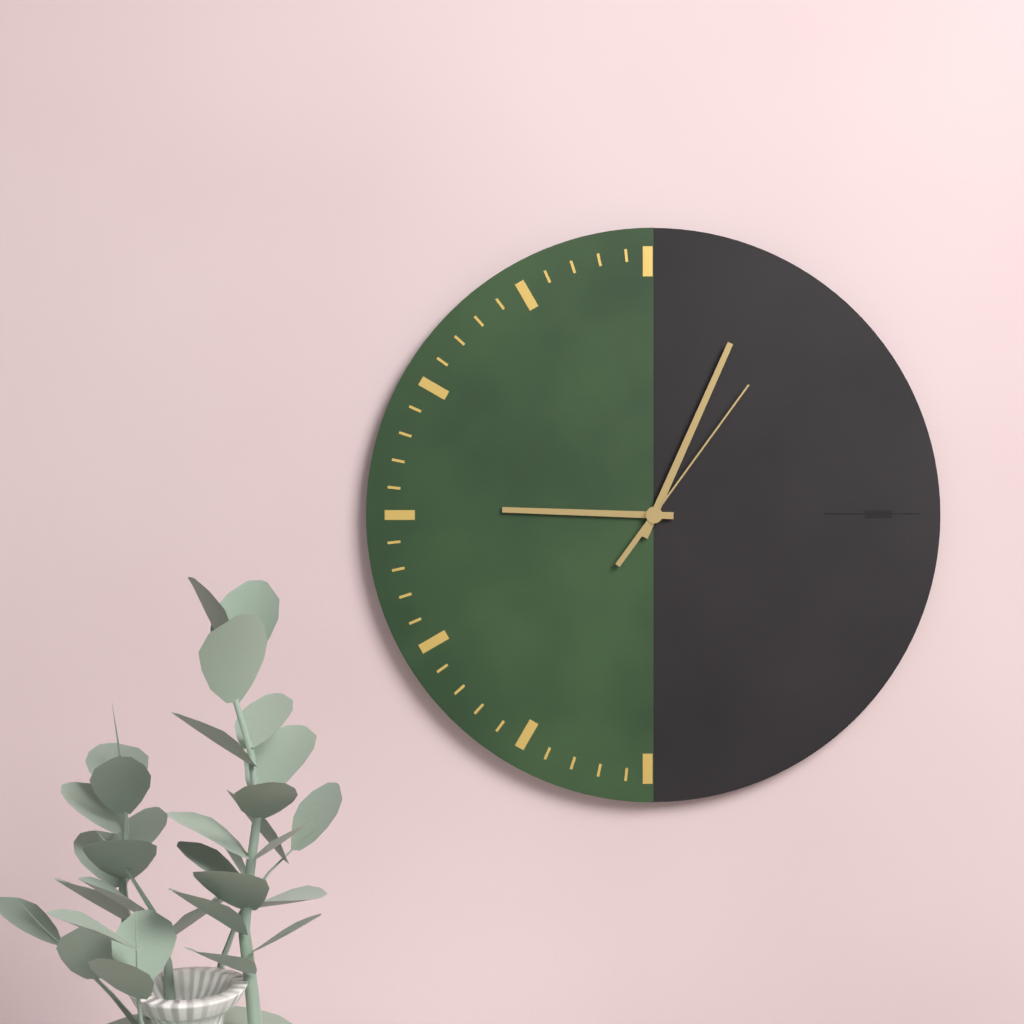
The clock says **9:04:06**
